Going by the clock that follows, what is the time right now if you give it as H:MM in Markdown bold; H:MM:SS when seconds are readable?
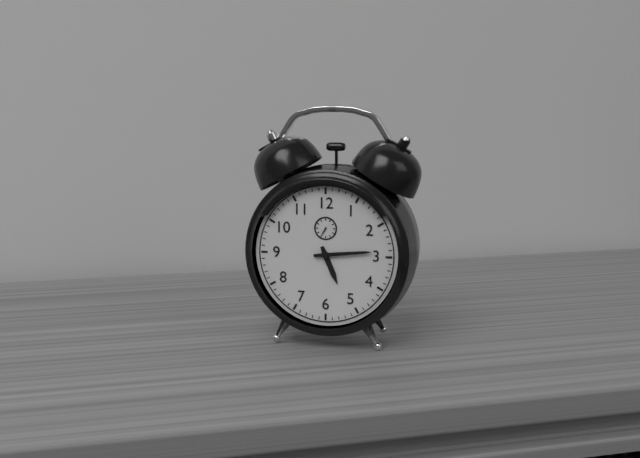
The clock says **5:14**
